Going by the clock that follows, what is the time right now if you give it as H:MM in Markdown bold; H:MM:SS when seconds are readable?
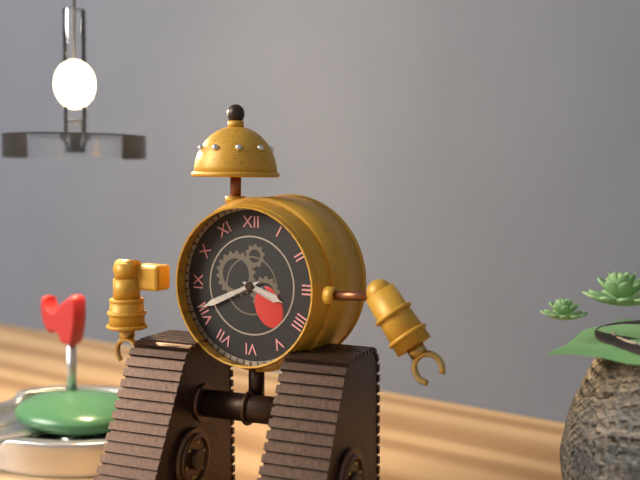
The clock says **3:41**
